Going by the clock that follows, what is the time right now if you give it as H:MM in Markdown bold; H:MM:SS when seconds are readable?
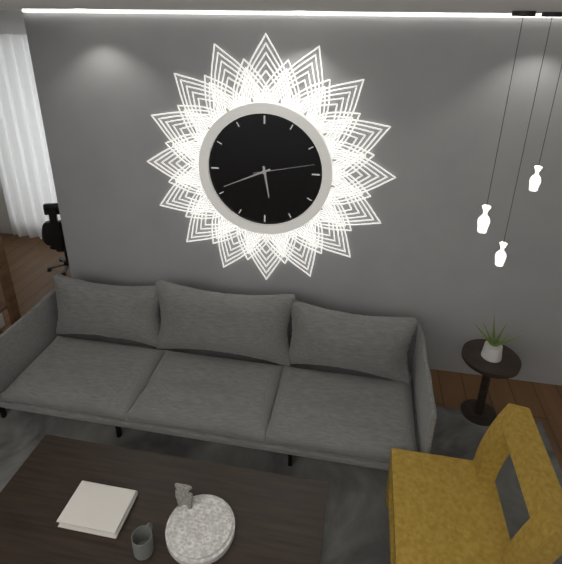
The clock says **5:41:13**
